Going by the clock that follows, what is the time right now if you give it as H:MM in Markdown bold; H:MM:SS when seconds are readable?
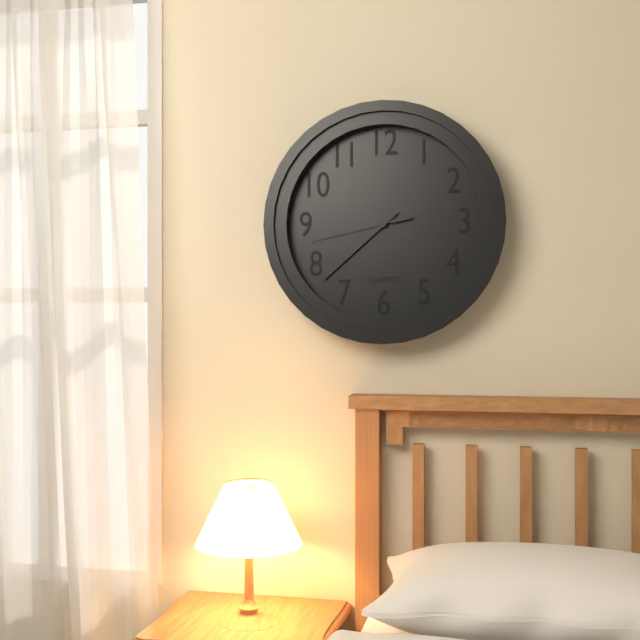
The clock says **7:38:43**
